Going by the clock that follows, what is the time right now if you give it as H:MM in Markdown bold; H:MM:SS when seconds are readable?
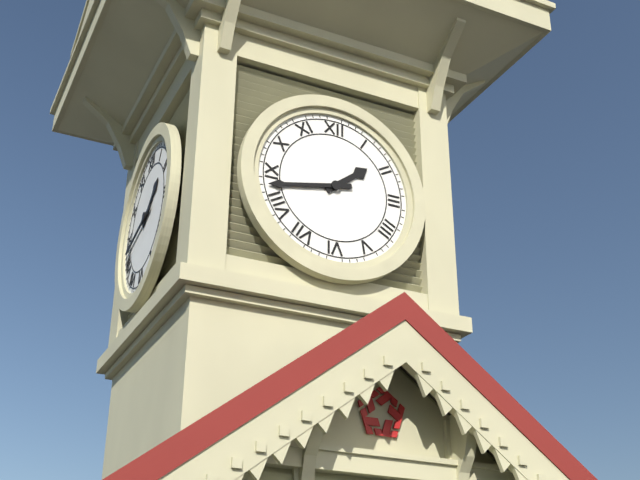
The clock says **1:43**
